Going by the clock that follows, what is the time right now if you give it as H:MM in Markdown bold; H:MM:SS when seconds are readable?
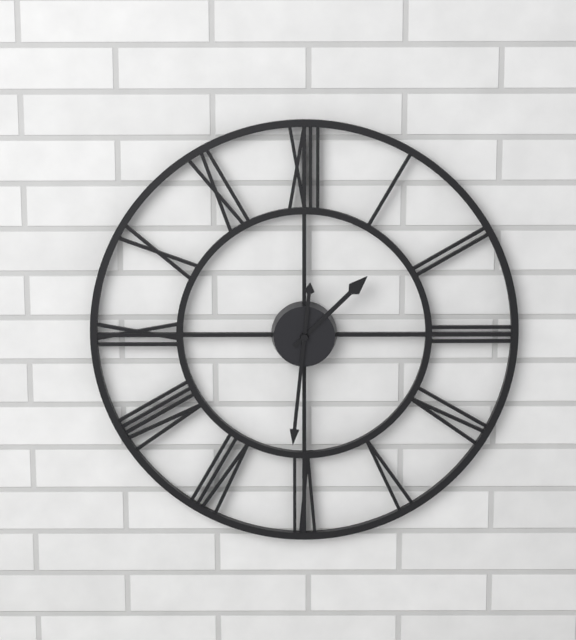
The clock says **1:31**
